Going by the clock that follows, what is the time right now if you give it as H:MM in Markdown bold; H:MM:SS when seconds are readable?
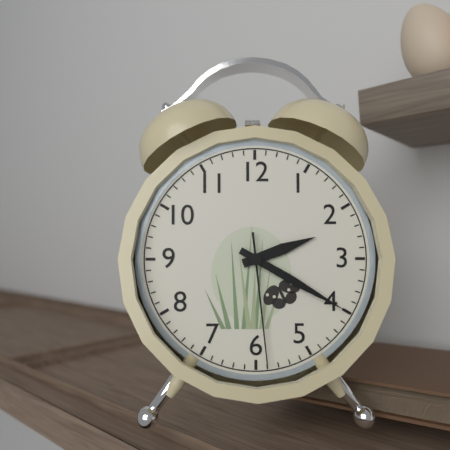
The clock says **2:20:29**
